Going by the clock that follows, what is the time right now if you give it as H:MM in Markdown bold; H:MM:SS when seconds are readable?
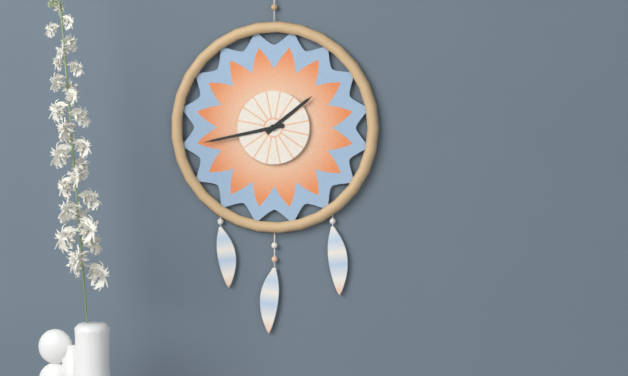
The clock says **1:43**
